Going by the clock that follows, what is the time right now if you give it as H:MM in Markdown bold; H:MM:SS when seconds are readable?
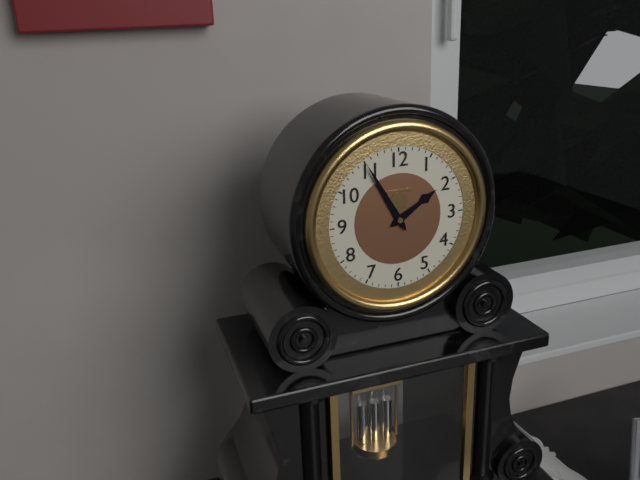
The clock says **1:55**
